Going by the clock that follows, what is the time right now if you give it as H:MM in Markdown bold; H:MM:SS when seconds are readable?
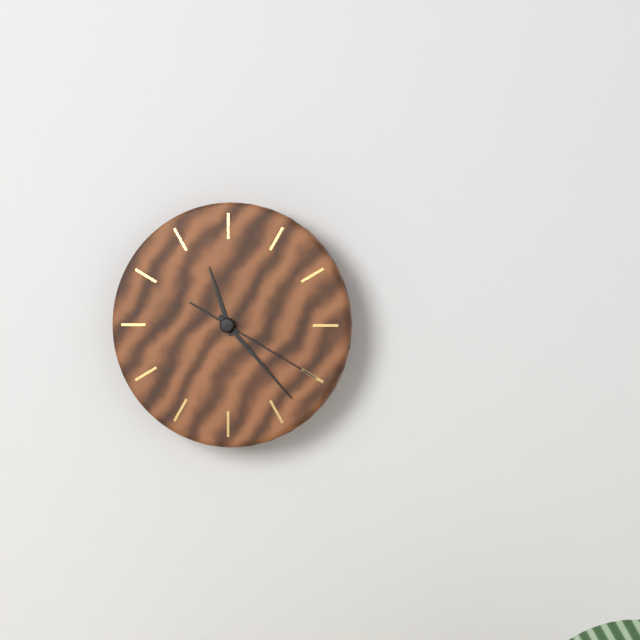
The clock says **11:23:20**
